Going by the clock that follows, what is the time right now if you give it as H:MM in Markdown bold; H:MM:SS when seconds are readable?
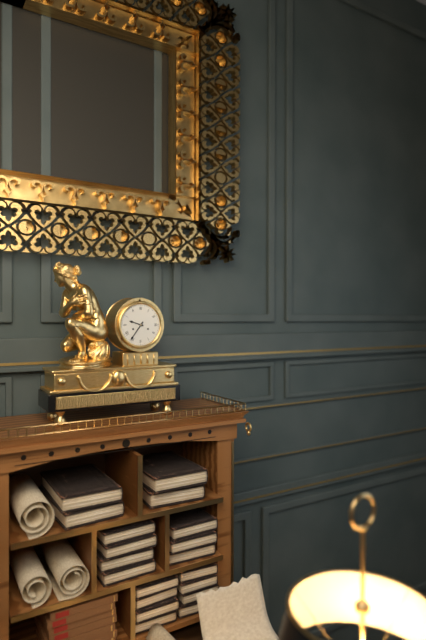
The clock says **9:36**
